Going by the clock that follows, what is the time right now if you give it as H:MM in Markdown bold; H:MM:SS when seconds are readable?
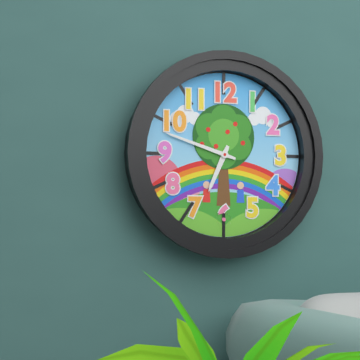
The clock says **6:48**
